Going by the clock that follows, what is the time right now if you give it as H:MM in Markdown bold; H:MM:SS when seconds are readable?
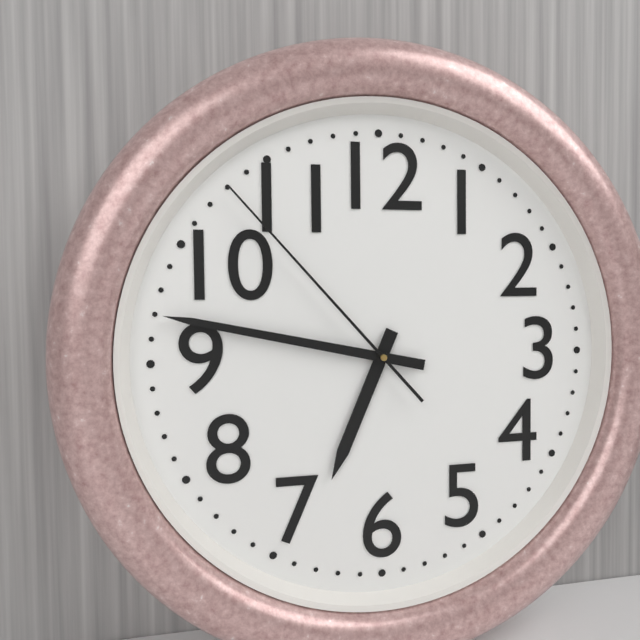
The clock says **6:47:53**
